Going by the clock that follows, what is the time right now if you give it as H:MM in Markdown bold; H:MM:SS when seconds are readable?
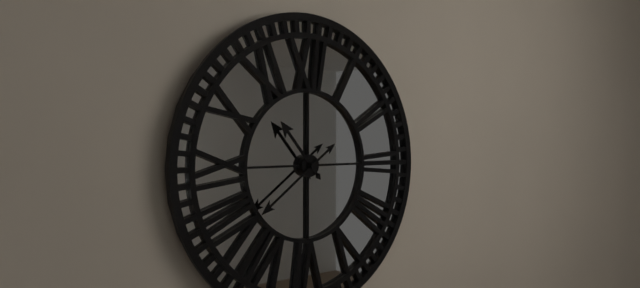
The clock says **10:39**
